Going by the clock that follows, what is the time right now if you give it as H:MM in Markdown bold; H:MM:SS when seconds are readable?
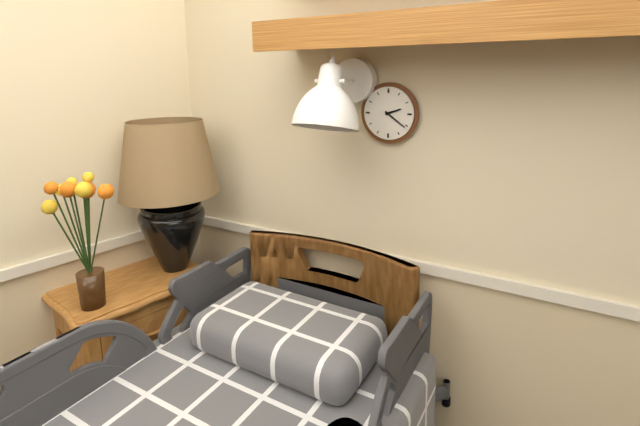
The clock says **2:21**
